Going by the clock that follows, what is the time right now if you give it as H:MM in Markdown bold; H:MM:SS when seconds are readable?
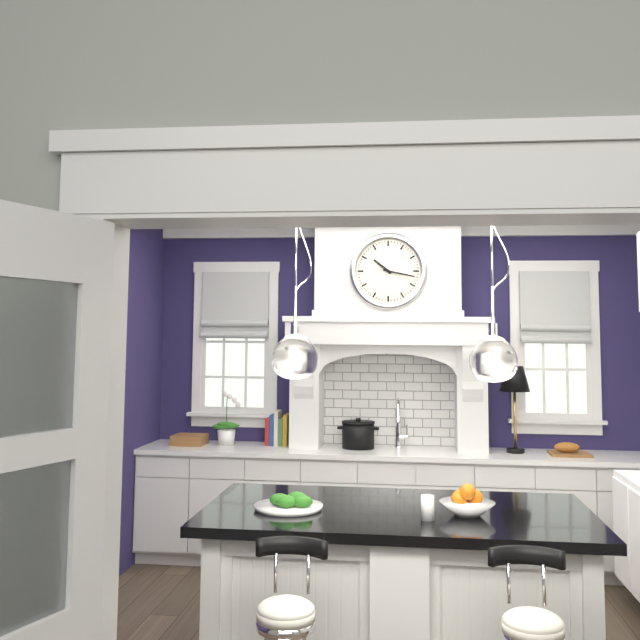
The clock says **10:17**
